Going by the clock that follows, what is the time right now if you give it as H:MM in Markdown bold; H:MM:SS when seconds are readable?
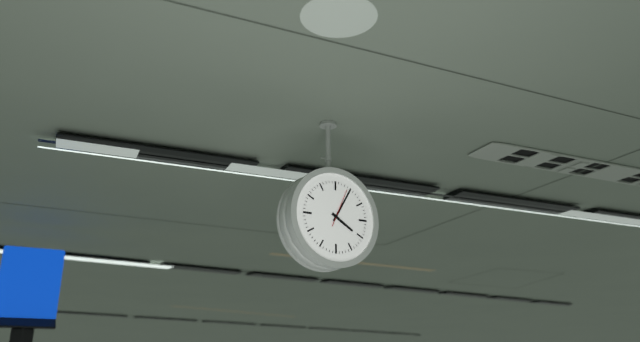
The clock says **4:05**
